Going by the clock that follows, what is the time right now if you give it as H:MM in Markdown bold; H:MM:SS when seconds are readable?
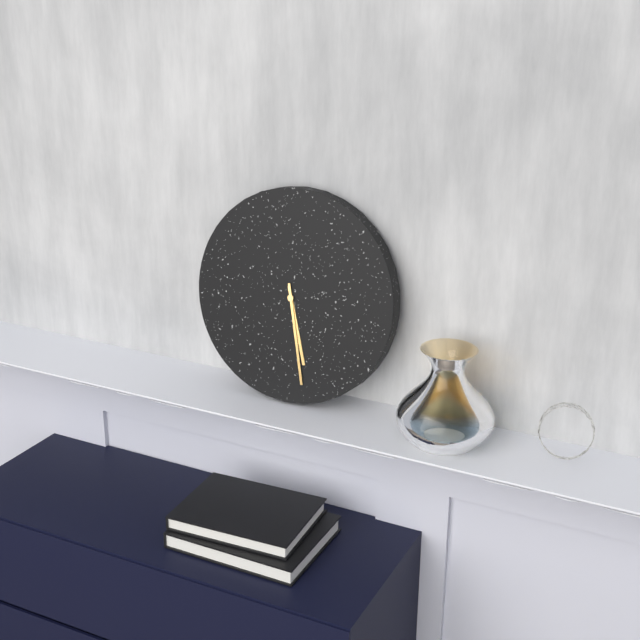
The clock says **5:28**
